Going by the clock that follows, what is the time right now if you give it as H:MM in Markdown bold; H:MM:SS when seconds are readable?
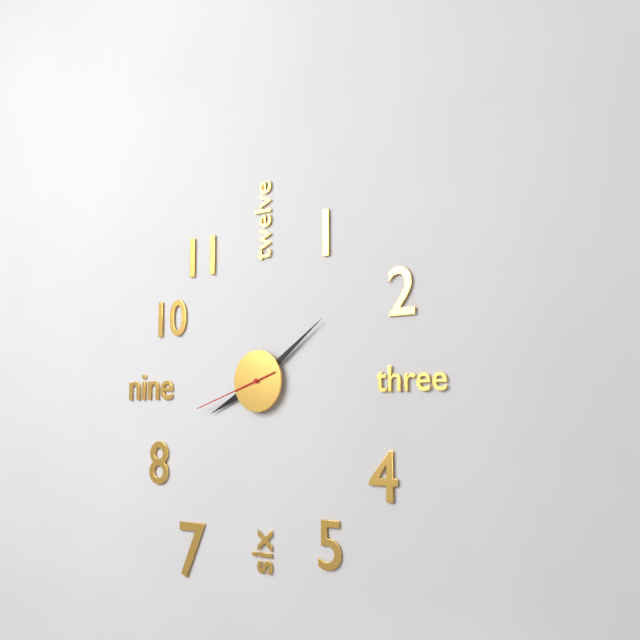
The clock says **8:09:42**
